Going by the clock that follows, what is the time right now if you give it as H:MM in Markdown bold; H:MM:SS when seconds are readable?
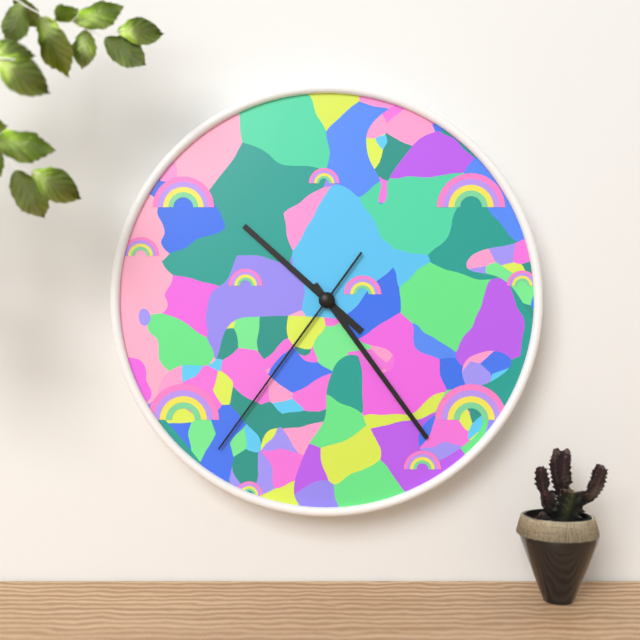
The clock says **10:24:36**
